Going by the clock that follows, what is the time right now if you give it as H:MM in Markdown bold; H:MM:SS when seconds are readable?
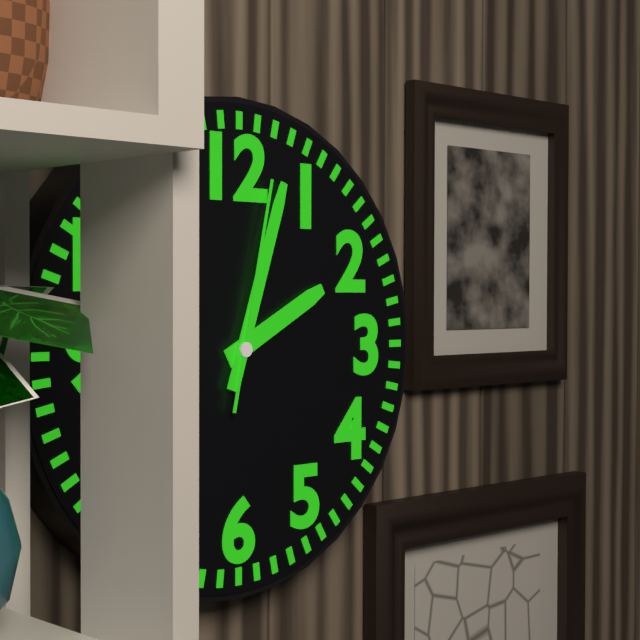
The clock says **2:03:02**
